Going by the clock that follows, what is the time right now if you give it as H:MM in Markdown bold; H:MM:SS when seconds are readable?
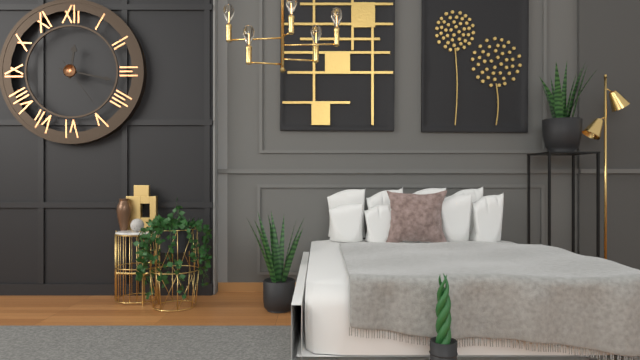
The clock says **12:17:24**
